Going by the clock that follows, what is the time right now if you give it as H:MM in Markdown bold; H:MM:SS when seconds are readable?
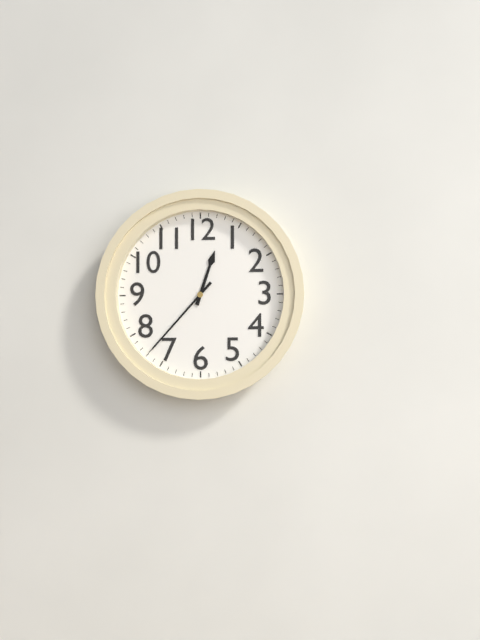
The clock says **12:37**
